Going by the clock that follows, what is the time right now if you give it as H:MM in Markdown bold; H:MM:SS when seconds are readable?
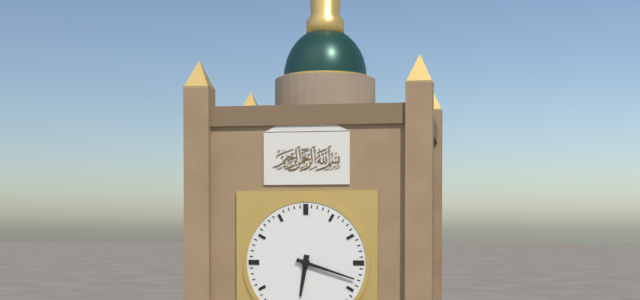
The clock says **6:18**
